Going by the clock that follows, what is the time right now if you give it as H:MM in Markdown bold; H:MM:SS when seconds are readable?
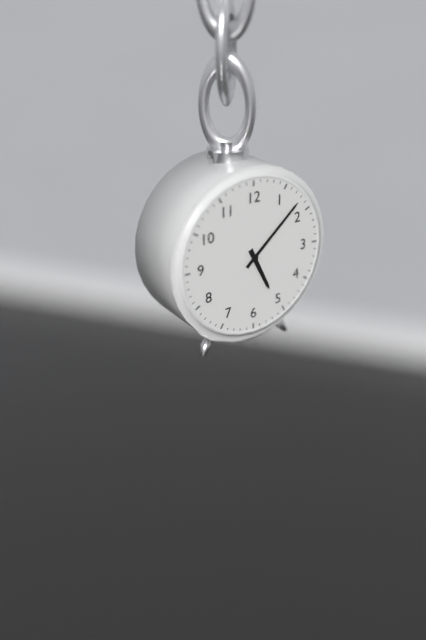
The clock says **5:08**
